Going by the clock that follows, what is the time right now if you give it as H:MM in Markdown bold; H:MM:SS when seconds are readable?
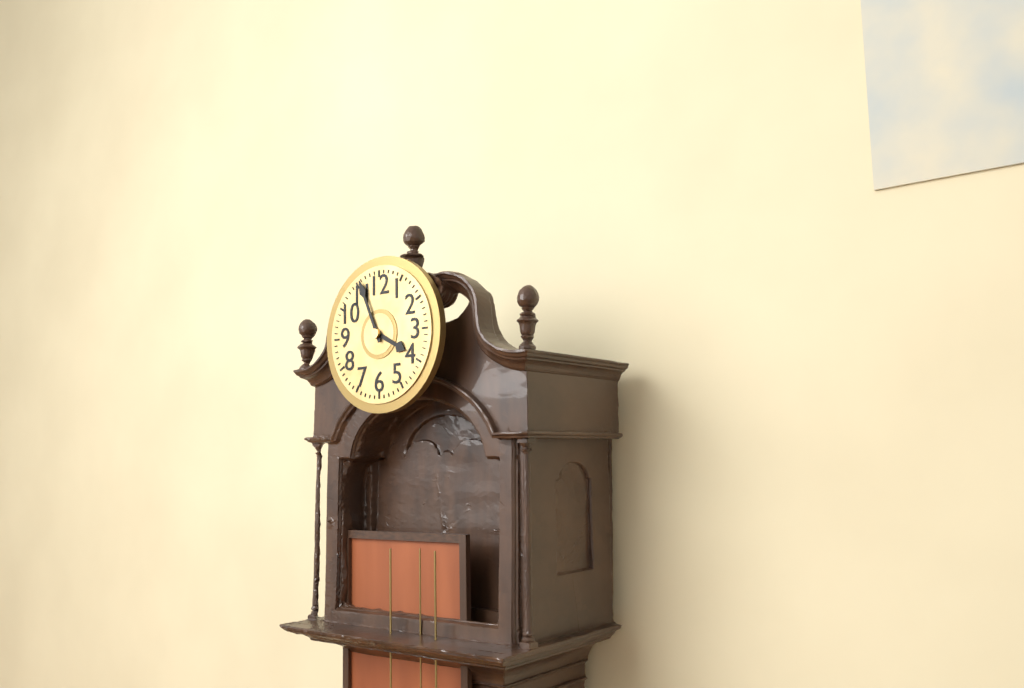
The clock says **3:56**
